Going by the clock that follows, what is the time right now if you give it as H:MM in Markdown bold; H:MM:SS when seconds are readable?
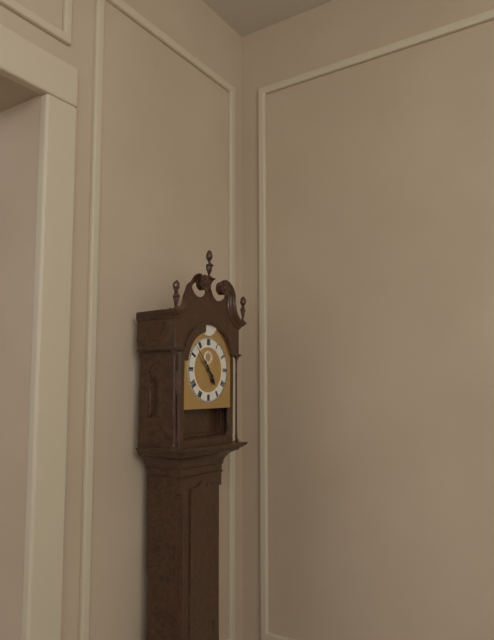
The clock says **4:53**
